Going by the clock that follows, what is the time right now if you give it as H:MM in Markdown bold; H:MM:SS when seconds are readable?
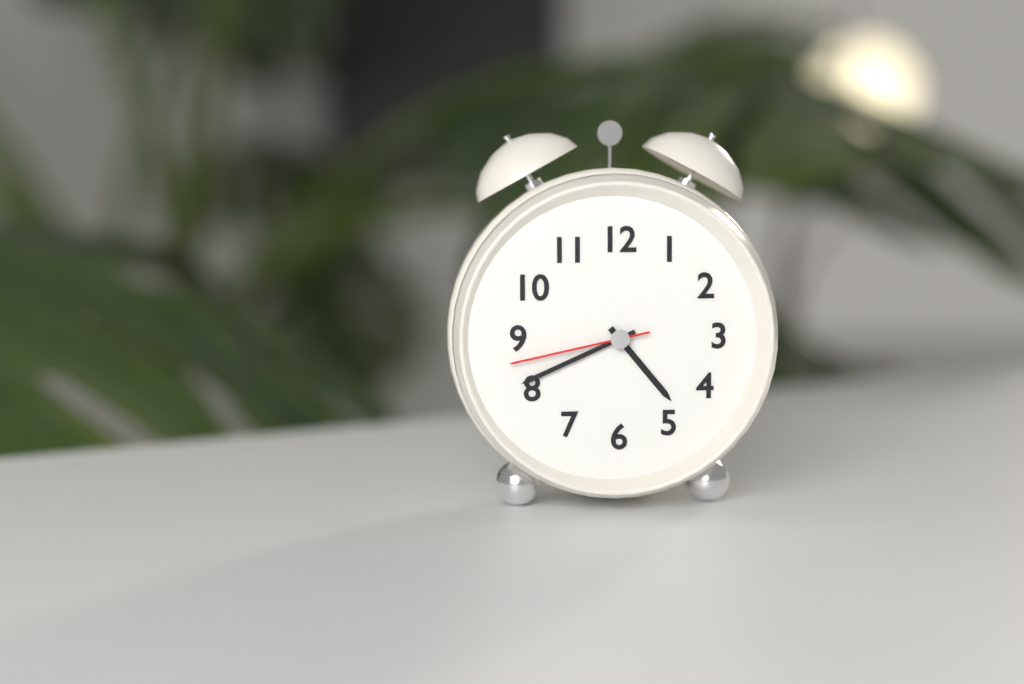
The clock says **4:41:43**
